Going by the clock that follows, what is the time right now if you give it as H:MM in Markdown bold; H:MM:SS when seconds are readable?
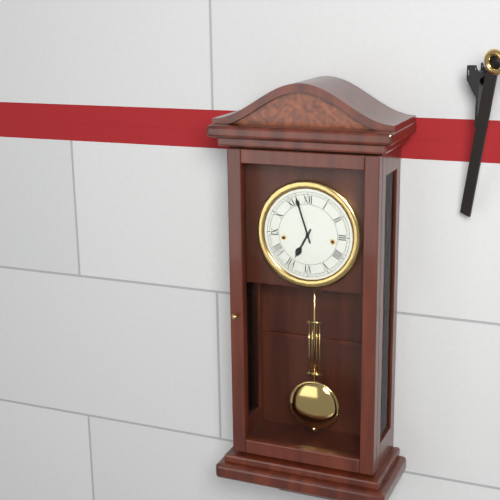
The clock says **6:57**
